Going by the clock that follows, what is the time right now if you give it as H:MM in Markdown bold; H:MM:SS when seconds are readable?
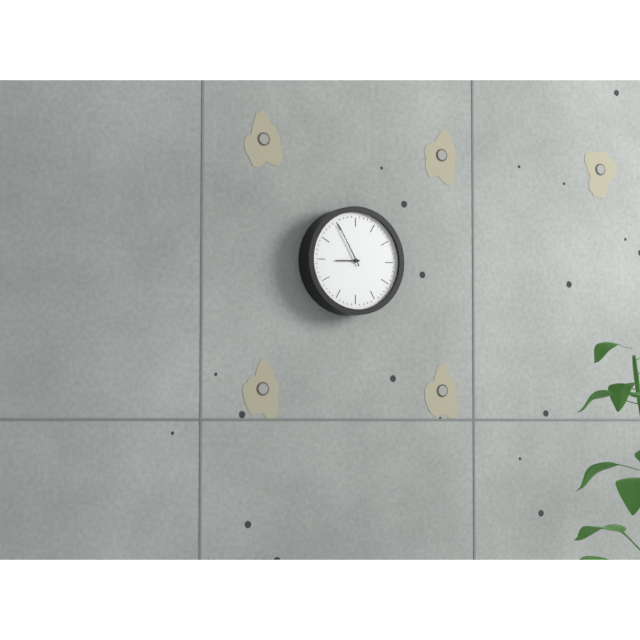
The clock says **8:55**
